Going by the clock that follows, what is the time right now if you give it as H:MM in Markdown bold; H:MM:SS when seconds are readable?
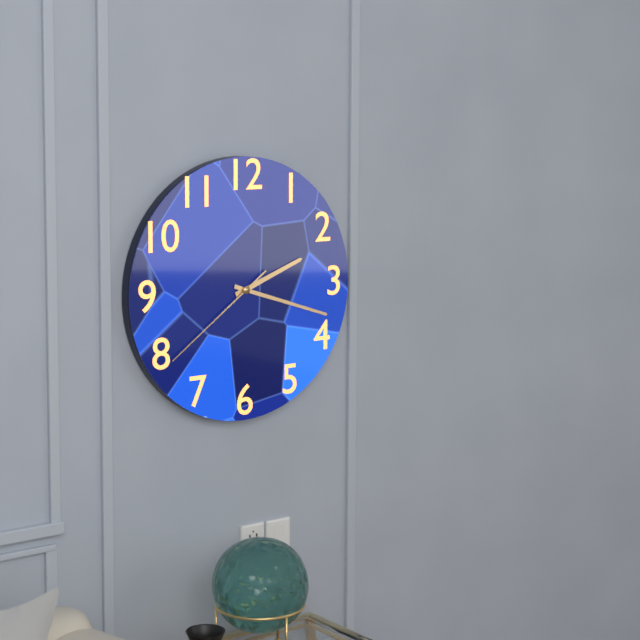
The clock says **2:18:39**
